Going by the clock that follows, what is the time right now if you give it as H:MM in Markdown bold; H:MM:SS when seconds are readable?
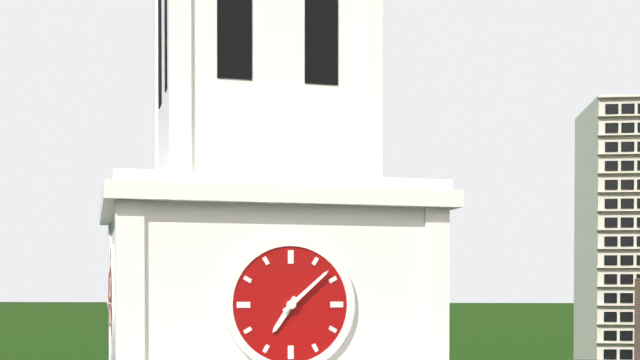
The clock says **7:08**
